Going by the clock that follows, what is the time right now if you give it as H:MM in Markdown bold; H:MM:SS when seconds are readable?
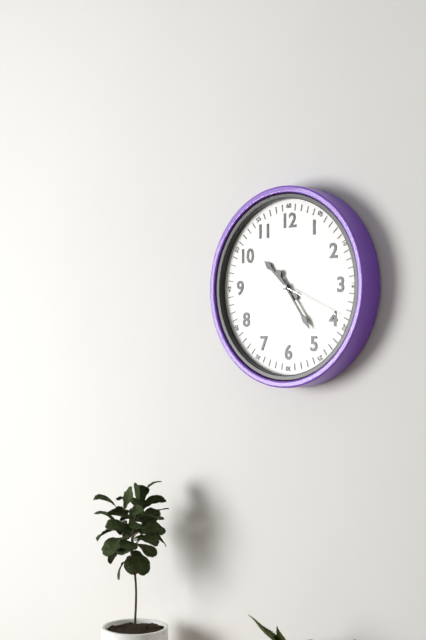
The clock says **10:24:19**
